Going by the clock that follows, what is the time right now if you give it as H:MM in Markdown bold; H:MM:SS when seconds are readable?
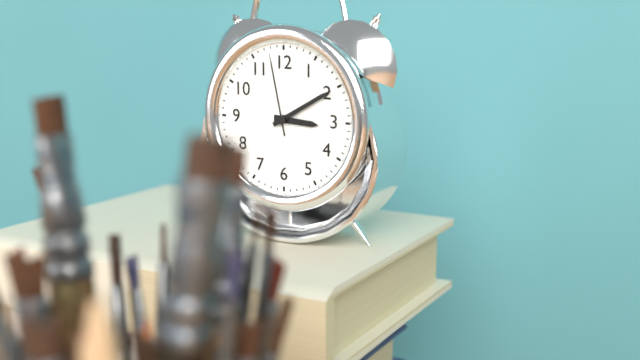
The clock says **3:10:58**
